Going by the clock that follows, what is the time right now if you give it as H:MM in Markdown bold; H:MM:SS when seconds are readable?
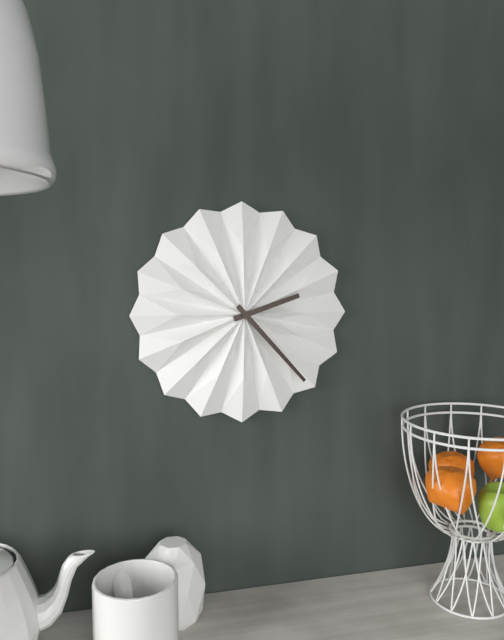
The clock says **2:23**
